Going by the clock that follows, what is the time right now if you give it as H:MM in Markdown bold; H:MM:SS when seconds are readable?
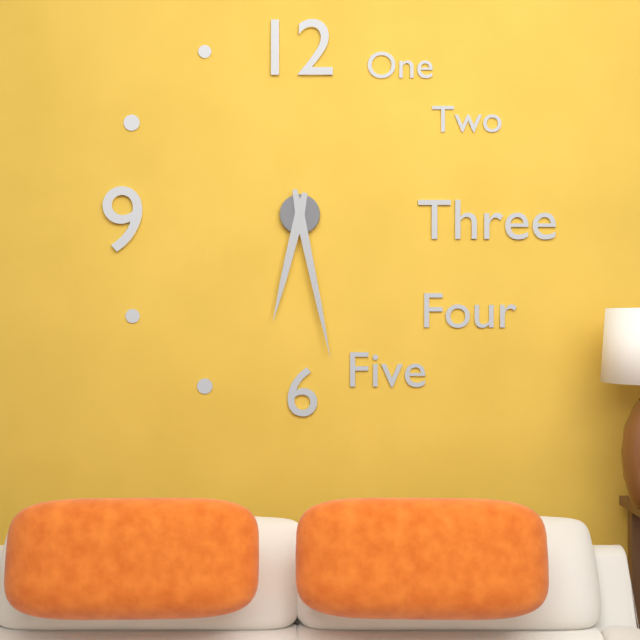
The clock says **6:28**
